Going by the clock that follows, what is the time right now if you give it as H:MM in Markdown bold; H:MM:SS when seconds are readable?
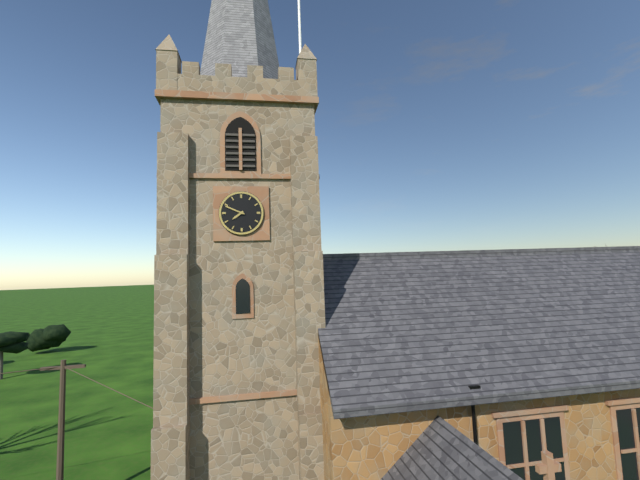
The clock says **7:49**
